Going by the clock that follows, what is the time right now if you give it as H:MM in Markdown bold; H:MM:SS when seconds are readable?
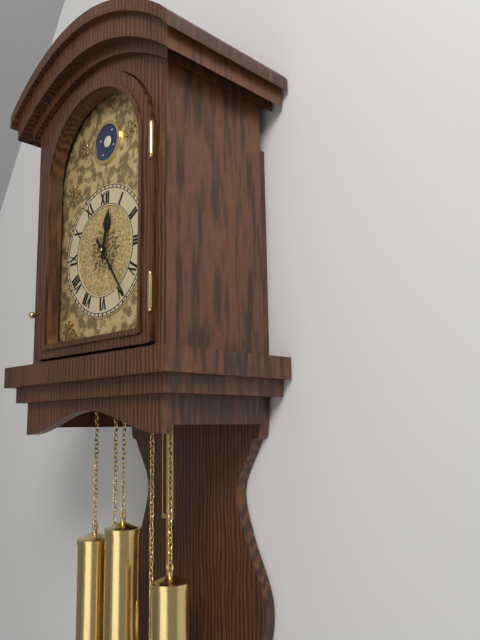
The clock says **12:24**
